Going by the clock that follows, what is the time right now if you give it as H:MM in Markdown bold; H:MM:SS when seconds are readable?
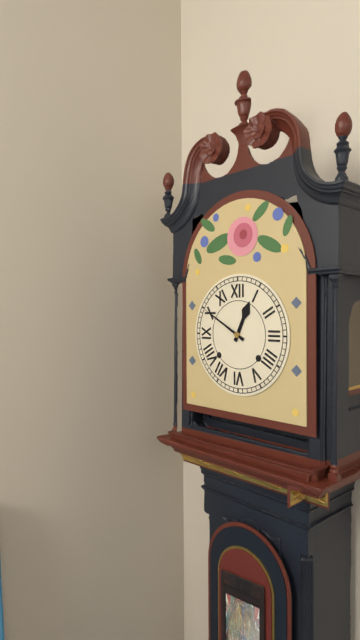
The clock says **12:50**
